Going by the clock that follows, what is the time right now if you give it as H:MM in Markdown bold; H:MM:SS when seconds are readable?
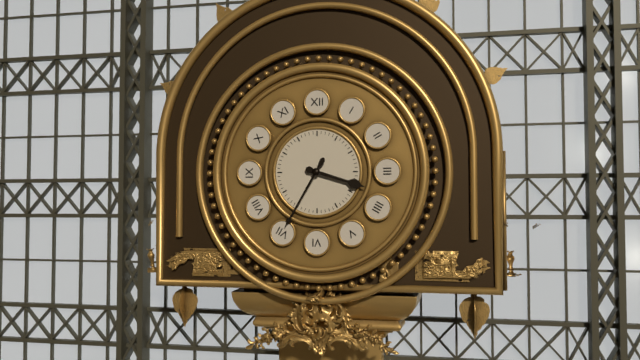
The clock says **3:35**
